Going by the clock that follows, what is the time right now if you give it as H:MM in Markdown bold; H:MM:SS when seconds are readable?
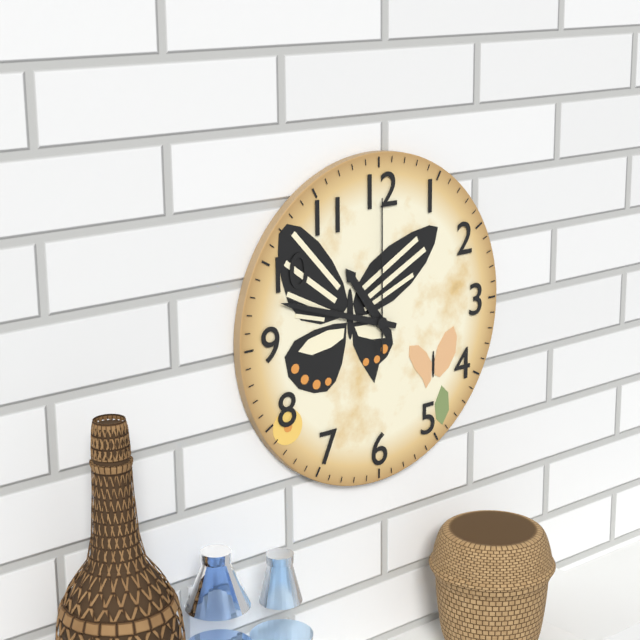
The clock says **10:48:00**
